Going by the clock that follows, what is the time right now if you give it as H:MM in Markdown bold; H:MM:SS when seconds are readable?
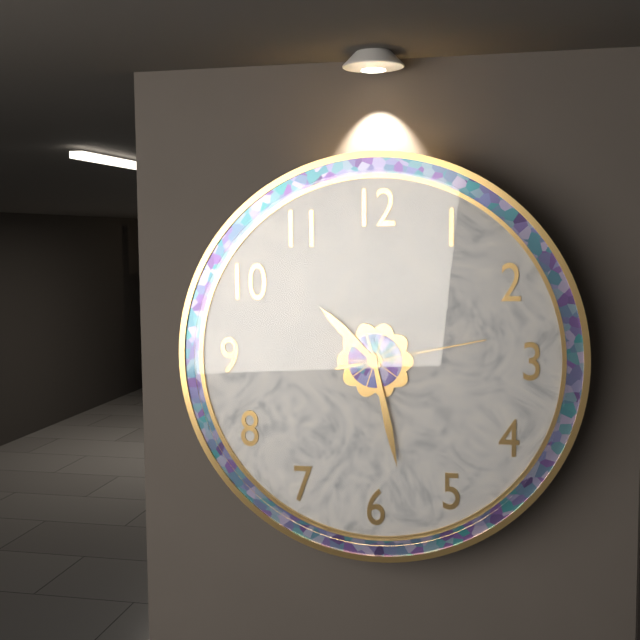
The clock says **10:28:13**
